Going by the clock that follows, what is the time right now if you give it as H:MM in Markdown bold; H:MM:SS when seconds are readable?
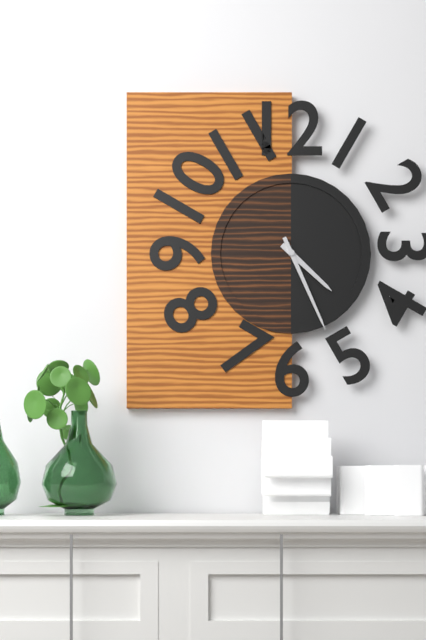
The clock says **4:26**
